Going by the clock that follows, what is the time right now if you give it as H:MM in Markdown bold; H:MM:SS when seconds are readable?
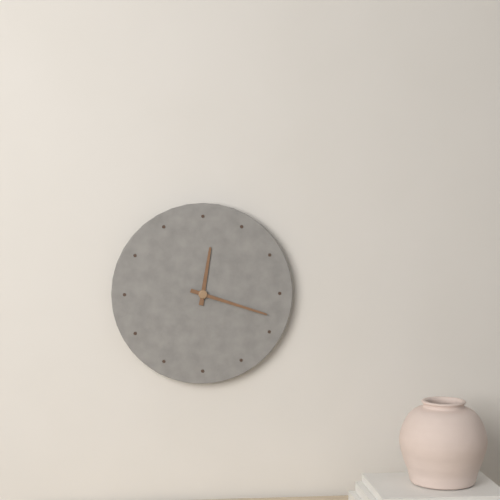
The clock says **12:18**
